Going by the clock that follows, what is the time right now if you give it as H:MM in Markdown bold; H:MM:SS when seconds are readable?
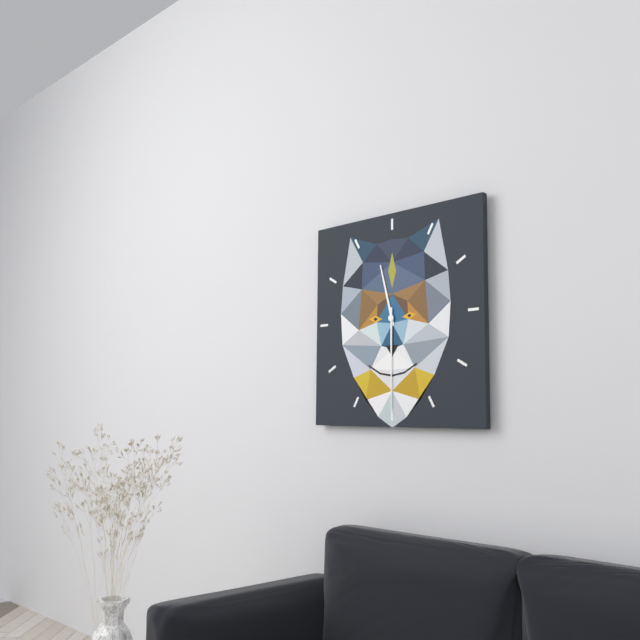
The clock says **11:30**
